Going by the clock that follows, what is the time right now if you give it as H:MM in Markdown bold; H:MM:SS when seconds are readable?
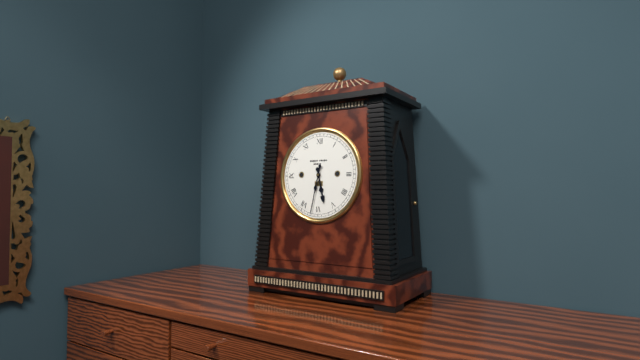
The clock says **5:32**
